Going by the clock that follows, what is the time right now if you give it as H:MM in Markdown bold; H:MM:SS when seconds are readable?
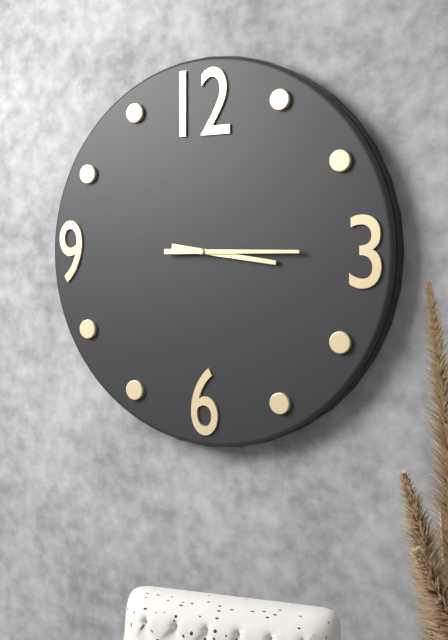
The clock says **3:15**
